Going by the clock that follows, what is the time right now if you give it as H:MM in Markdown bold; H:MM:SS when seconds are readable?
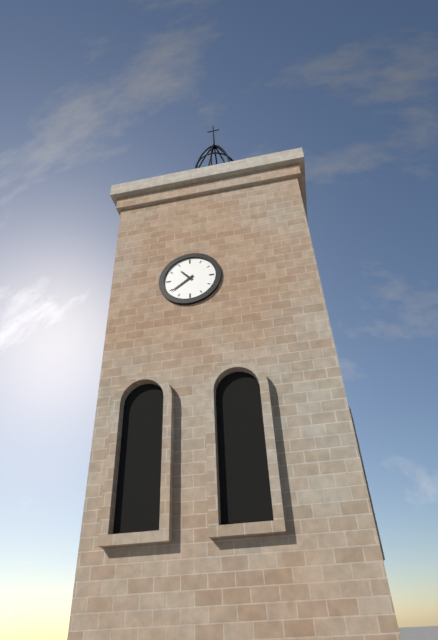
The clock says **10:39**
